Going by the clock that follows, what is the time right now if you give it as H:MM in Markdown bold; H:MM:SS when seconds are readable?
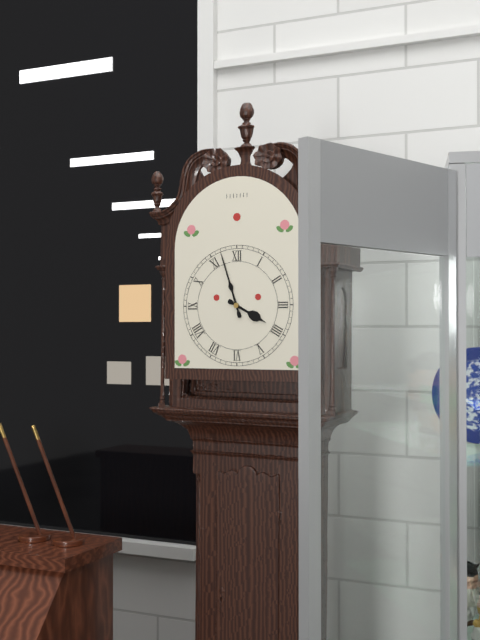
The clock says **3:57**
